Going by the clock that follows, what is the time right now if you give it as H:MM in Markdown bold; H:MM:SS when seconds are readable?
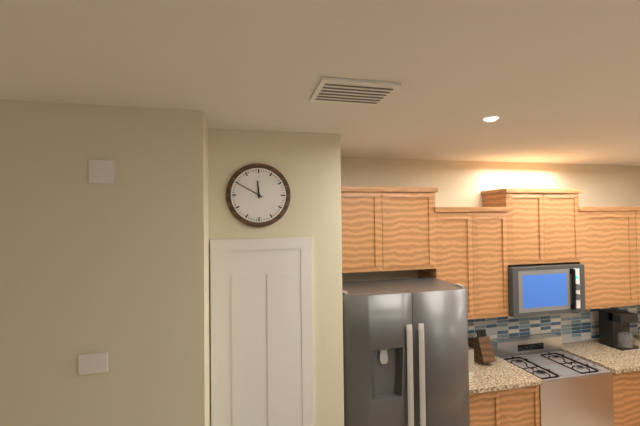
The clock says **11:50**
